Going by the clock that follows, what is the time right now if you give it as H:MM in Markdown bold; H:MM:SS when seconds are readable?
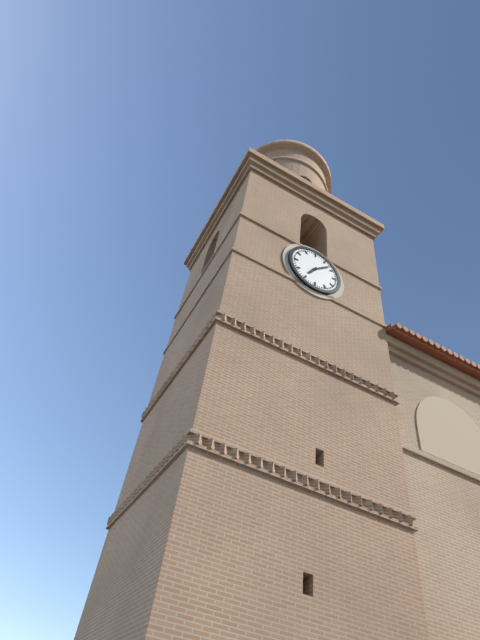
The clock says **7:08**
